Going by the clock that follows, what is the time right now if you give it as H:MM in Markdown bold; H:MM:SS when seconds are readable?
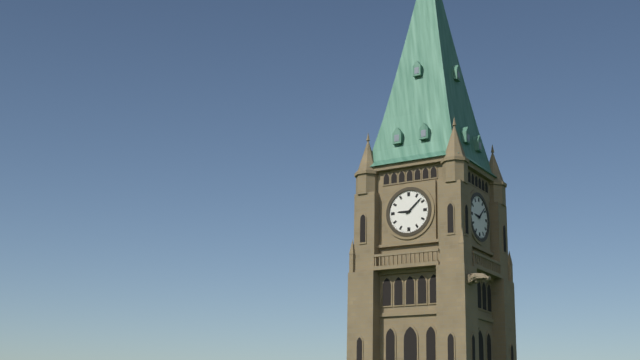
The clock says **9:08**
